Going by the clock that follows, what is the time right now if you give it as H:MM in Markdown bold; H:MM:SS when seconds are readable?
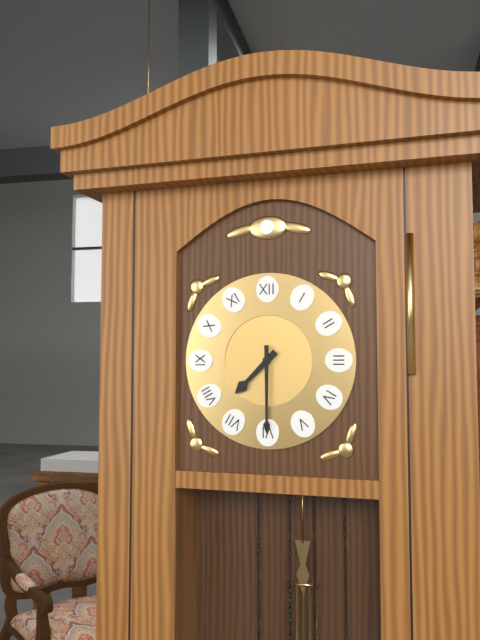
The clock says **7:30**
